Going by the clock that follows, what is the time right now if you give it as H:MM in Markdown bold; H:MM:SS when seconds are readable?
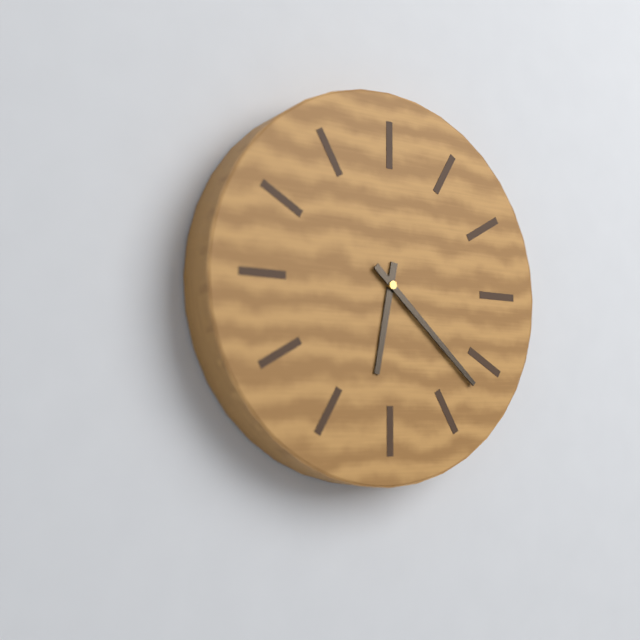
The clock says **6:22**
